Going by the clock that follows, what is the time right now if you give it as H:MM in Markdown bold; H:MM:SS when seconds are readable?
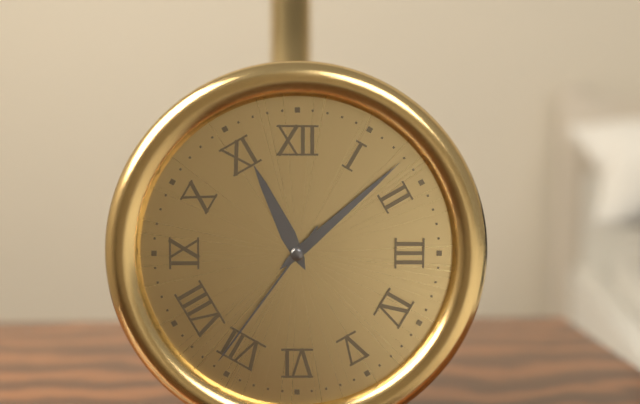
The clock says **11:08:36**
